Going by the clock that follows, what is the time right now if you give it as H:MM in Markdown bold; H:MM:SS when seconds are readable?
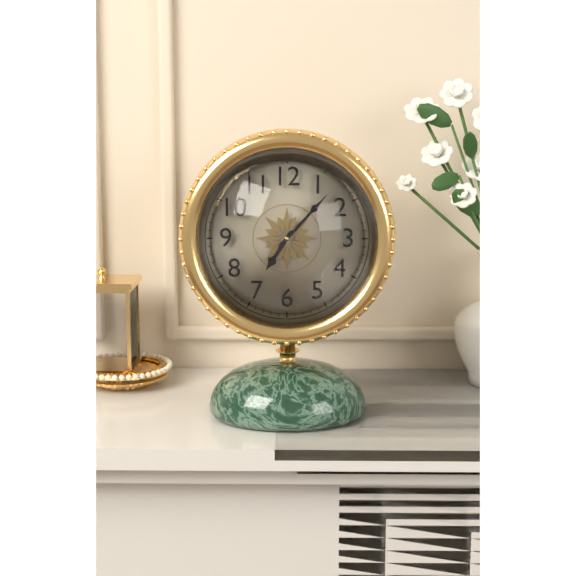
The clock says **7:07**
